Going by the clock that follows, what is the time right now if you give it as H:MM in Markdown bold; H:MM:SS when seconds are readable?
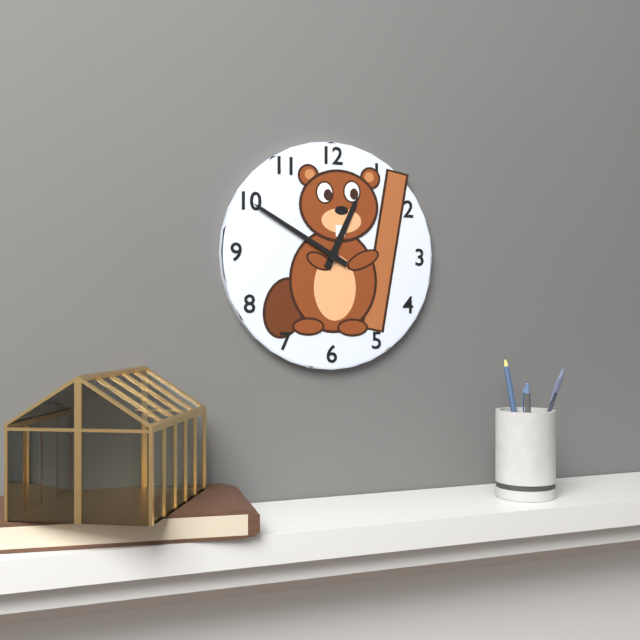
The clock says **12:50**
